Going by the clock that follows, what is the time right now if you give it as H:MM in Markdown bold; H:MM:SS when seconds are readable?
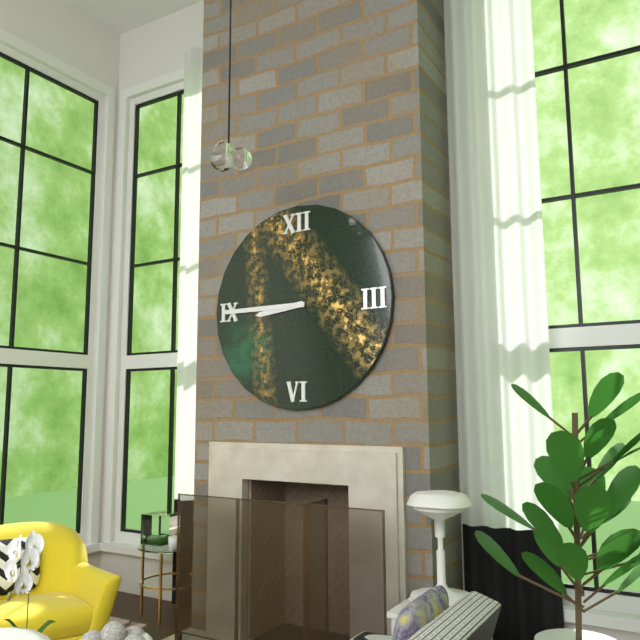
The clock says **8:45**
